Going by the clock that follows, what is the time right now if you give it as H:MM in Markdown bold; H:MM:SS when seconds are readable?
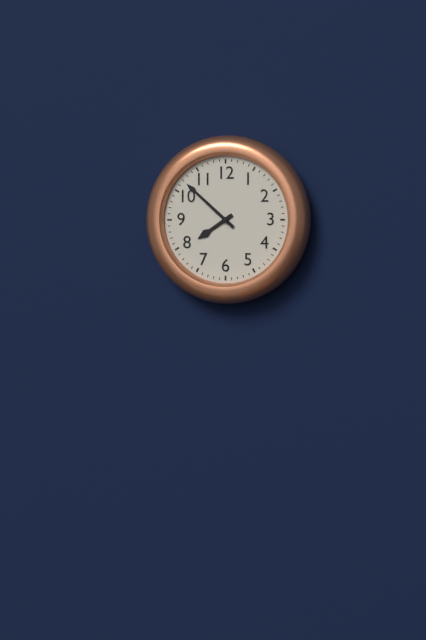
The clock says **7:52**
